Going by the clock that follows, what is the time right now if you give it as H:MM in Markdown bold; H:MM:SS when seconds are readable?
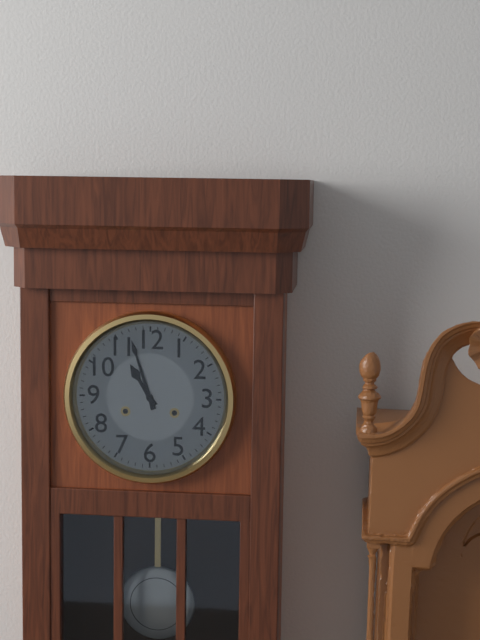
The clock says **10:57**
